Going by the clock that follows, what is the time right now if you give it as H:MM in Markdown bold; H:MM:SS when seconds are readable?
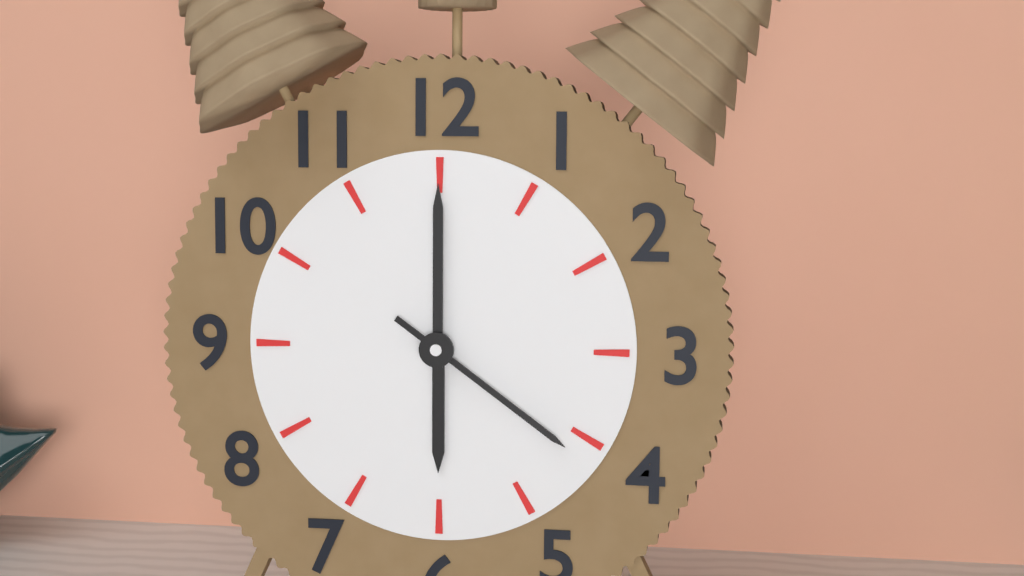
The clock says **6:00:21**
